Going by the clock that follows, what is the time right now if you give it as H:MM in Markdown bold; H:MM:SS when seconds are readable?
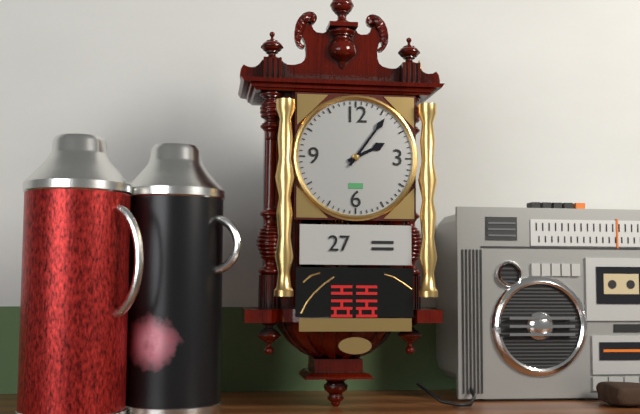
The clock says **2:06**
